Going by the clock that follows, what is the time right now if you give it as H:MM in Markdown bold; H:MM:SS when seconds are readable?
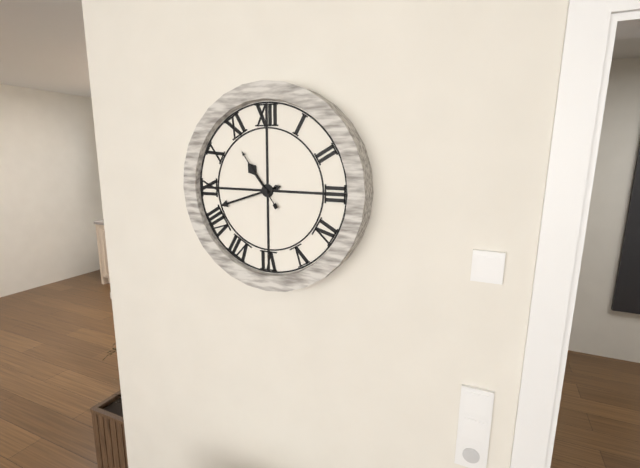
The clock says **10:42:54**
